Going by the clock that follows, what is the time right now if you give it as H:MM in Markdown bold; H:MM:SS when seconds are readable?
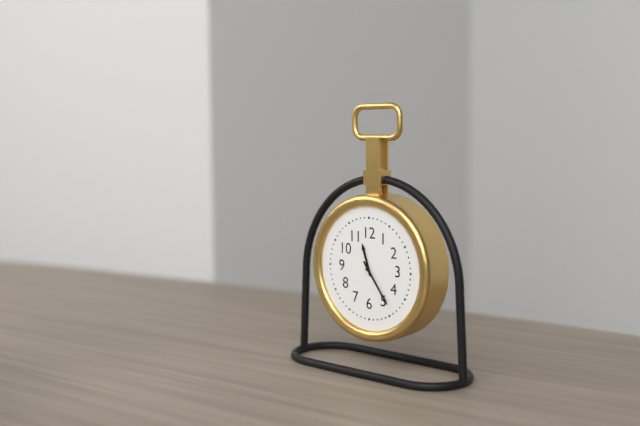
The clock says **11:24**
